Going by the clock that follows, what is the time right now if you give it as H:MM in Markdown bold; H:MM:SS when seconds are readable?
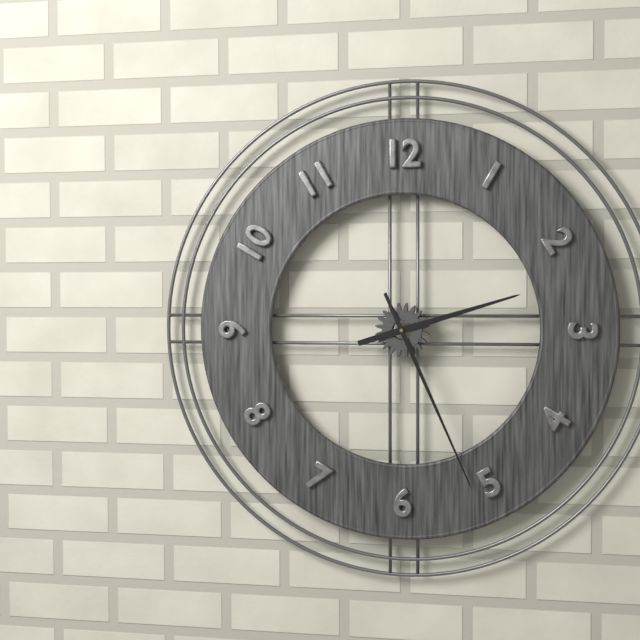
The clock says **2:26**
